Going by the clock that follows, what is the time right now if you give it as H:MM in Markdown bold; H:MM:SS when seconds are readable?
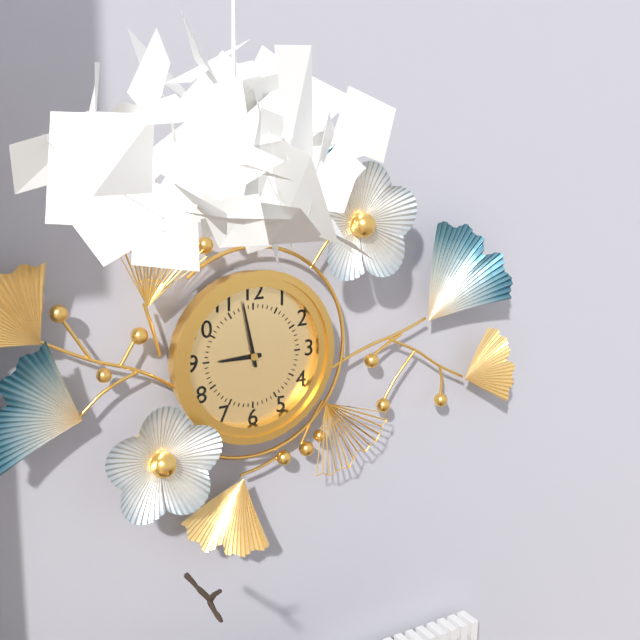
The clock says **8:58**
